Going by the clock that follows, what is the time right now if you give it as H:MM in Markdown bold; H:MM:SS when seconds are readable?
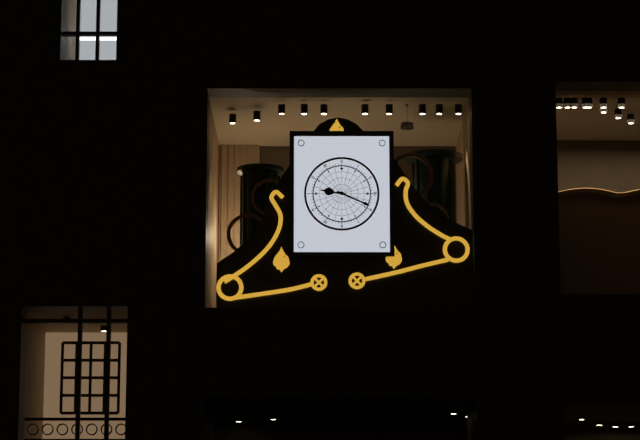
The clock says **9:19**
